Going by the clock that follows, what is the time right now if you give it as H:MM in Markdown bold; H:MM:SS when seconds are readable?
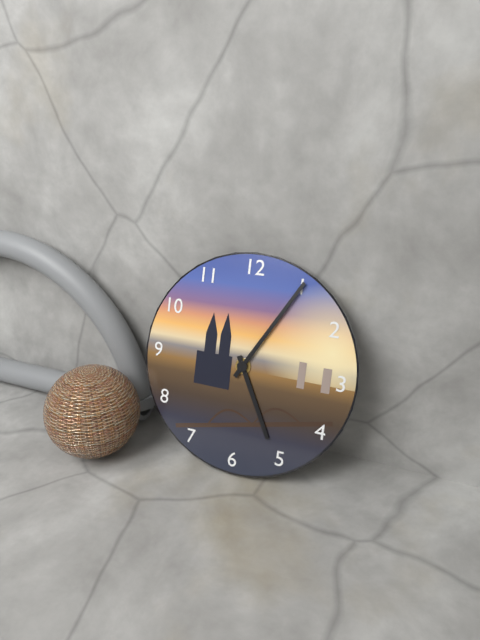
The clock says **5:05**
